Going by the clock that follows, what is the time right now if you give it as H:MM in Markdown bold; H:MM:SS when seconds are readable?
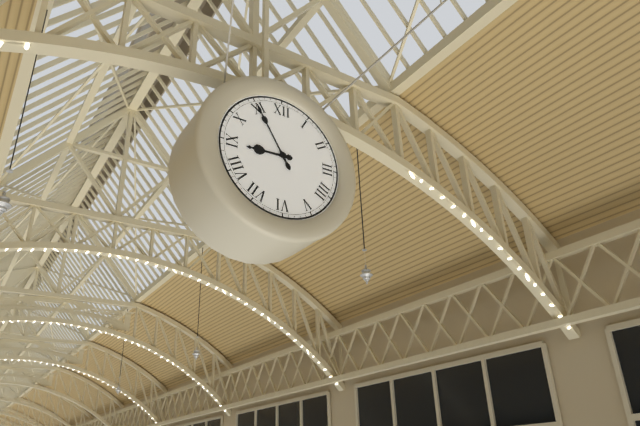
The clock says **8:55**
